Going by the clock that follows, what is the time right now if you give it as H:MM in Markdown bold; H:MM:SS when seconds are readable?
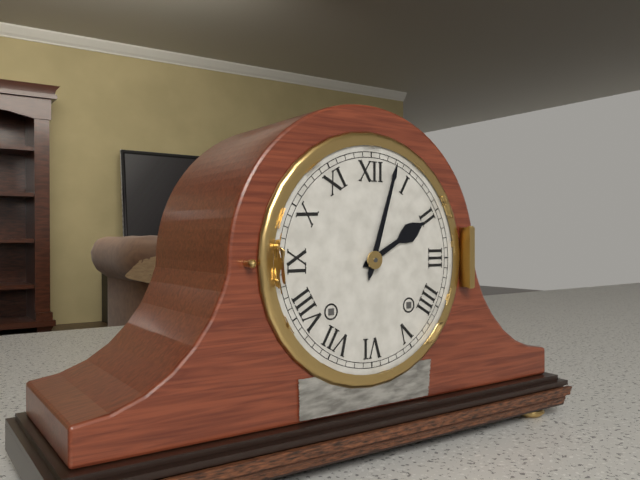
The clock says **2:03**
